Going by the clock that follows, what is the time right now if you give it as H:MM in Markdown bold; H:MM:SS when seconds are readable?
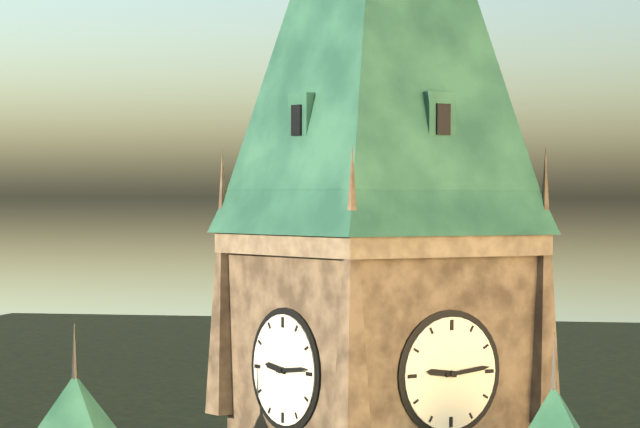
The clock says **9:14**
